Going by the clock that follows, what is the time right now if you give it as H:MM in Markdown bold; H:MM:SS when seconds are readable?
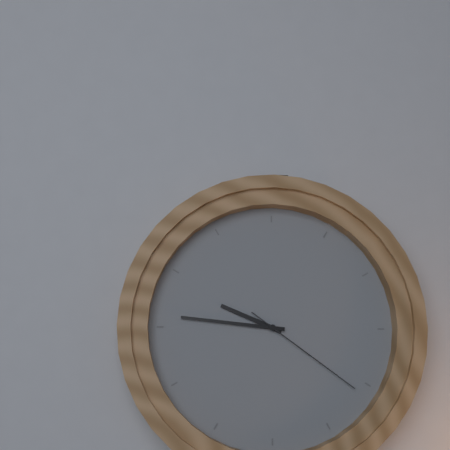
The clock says **9:46:21**
